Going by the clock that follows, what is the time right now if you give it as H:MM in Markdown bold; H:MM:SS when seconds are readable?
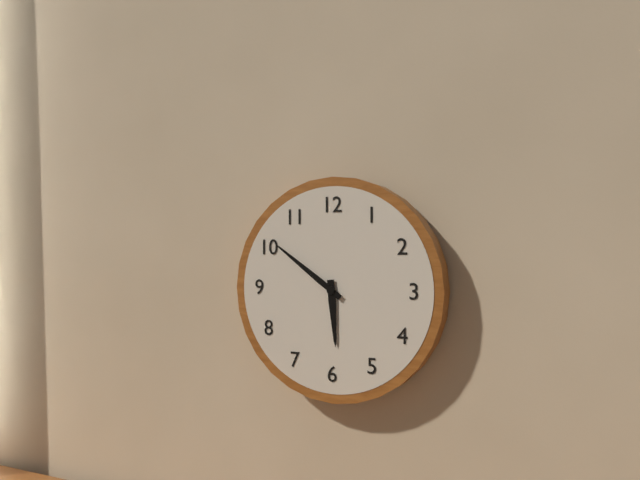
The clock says **5:51**
